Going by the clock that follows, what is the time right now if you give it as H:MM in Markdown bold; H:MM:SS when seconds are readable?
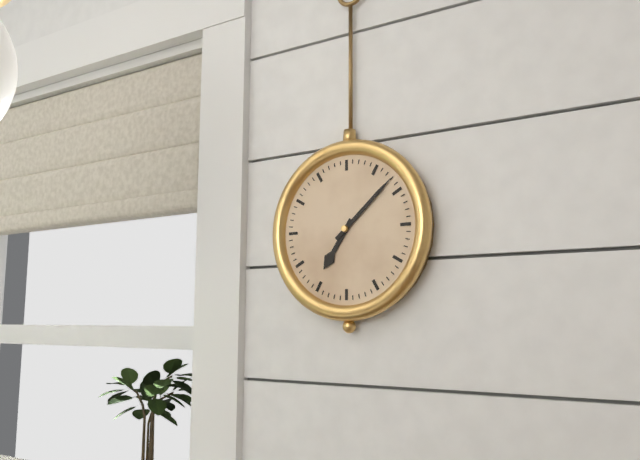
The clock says **7:08**
